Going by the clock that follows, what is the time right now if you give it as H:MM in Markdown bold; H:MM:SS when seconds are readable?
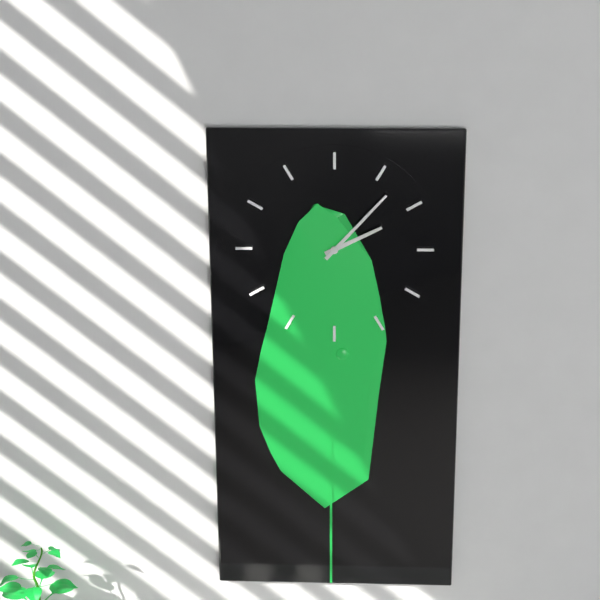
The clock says **2:07**
